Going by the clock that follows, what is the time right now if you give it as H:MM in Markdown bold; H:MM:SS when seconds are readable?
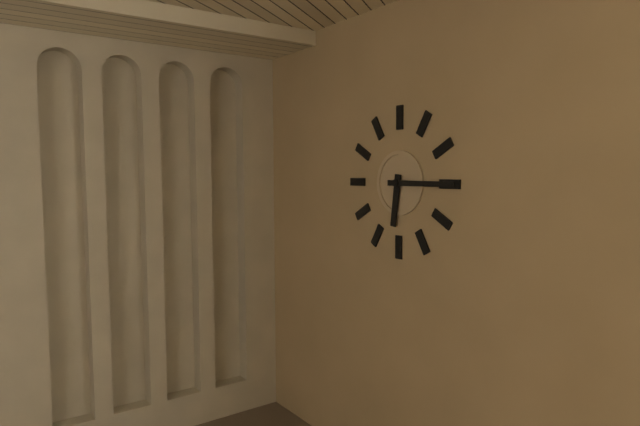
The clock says **6:15**
